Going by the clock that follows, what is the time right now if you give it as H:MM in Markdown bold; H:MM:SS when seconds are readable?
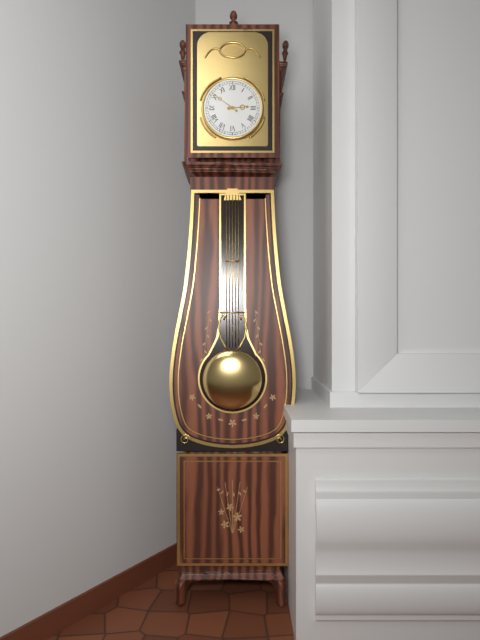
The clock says **2:51**
